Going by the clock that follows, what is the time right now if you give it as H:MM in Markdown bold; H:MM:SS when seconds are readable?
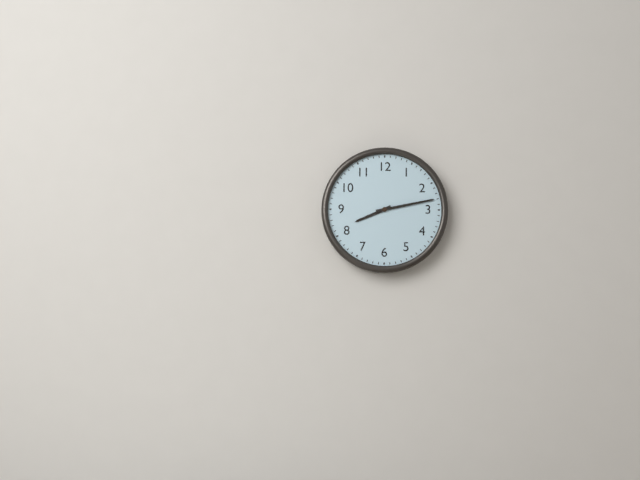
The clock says **8:13**
